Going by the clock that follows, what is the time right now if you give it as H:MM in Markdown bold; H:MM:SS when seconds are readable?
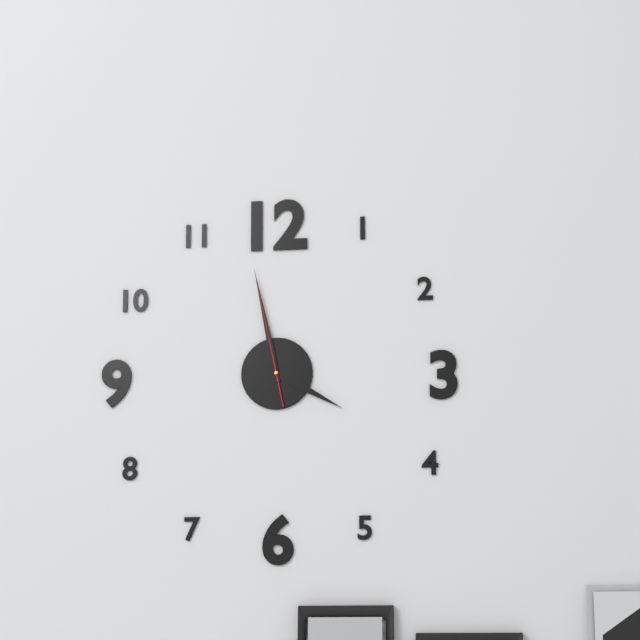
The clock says **3:58:58**
